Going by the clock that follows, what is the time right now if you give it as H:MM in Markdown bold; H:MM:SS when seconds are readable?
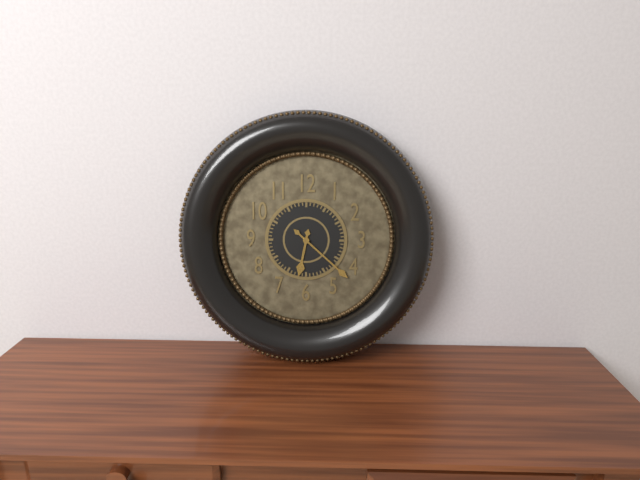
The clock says **6:22**
